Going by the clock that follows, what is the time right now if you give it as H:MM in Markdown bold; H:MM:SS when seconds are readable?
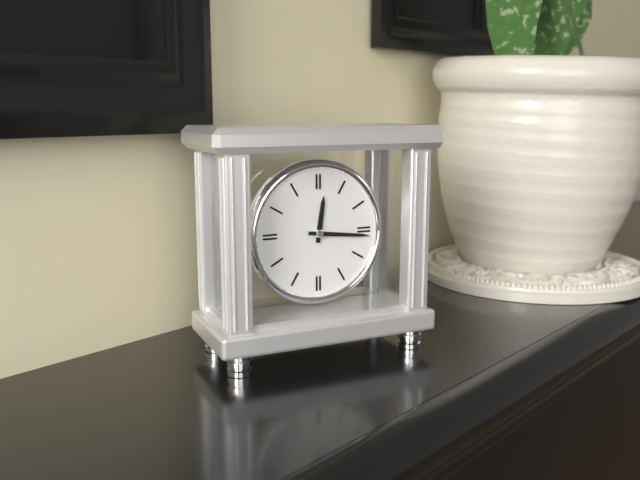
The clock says **12:16**
